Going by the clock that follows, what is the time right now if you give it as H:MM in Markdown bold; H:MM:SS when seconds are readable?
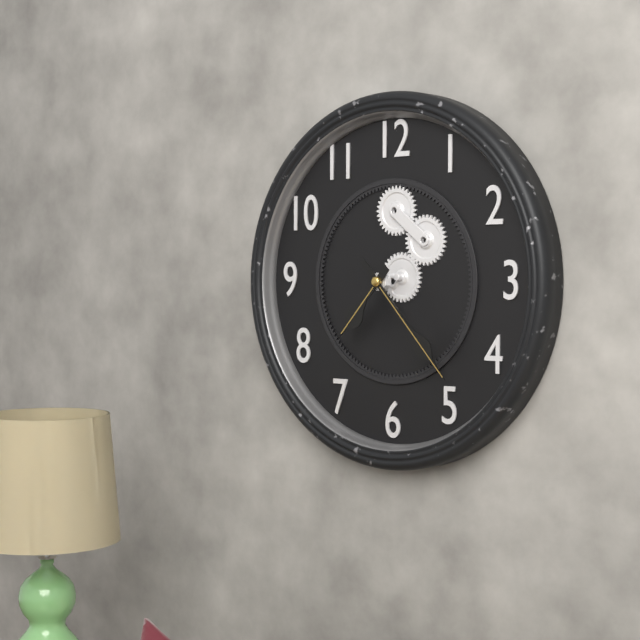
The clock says **7:23**
